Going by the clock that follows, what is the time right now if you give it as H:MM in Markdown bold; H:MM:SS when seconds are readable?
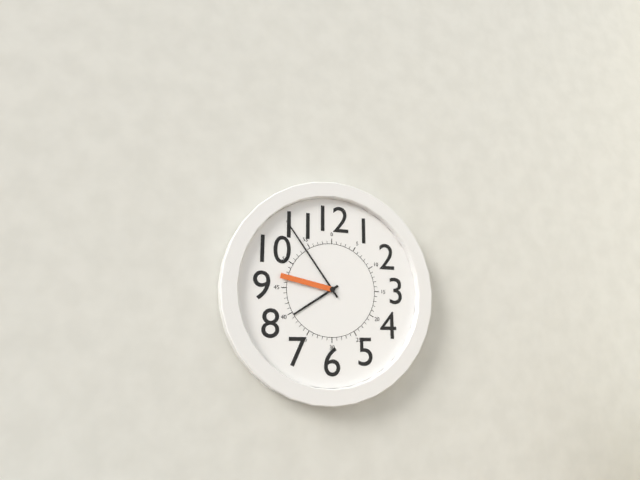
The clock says **7:54:47**
